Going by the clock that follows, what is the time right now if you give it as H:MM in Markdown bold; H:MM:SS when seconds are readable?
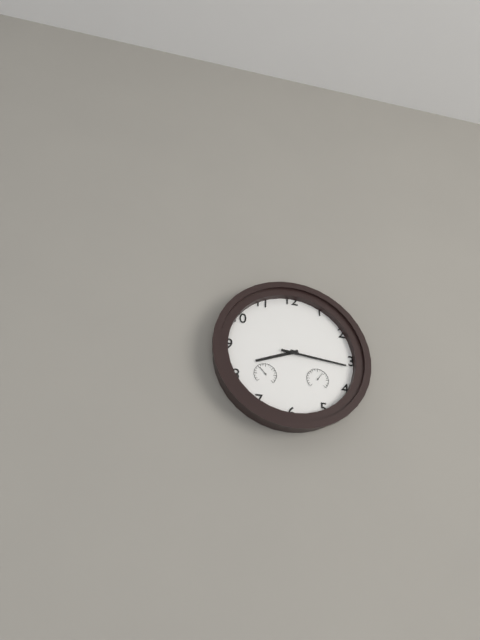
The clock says **8:16**
